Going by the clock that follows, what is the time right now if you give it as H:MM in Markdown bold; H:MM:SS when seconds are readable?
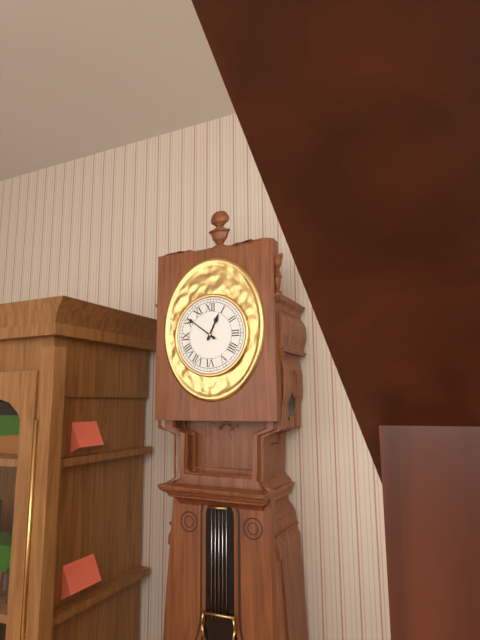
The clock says **12:51**
